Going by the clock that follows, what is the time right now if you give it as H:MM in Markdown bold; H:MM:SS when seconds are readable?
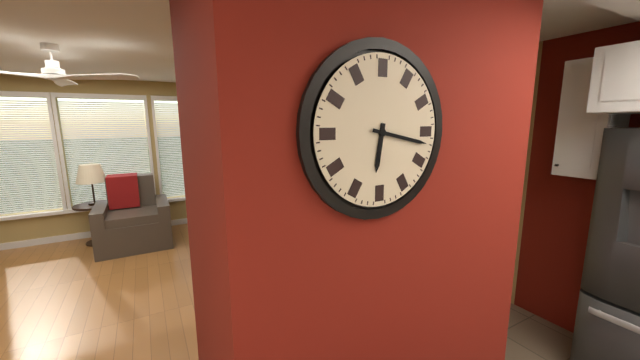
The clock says **6:17**
